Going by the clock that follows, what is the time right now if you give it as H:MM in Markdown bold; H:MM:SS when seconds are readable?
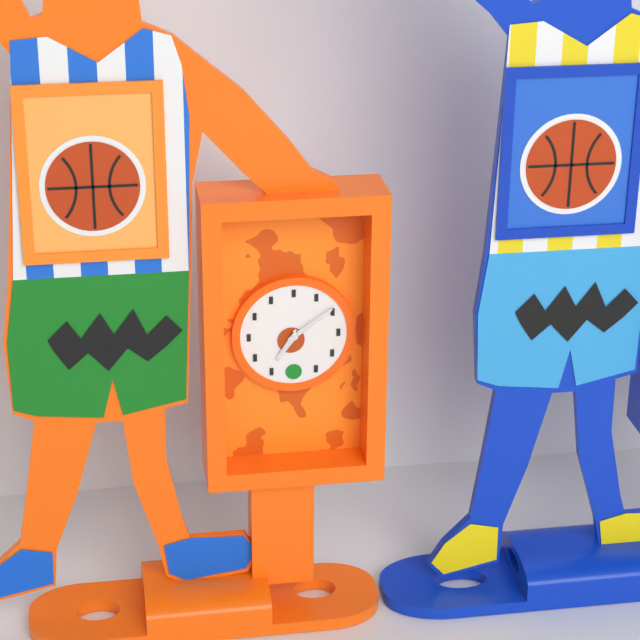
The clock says **7:09**
